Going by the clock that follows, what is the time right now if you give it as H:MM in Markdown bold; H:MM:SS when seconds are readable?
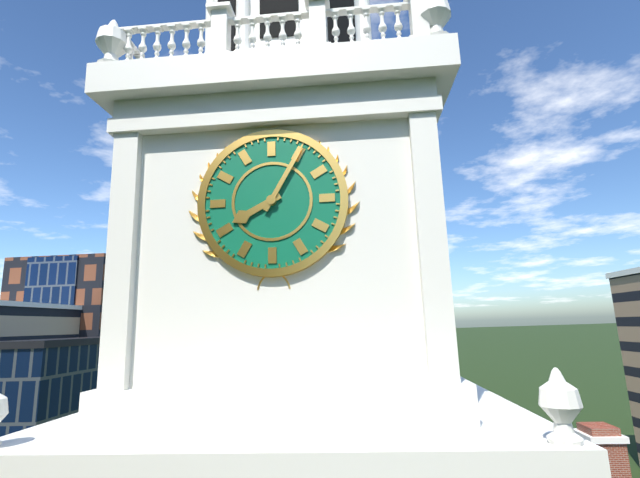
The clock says **8:05**
